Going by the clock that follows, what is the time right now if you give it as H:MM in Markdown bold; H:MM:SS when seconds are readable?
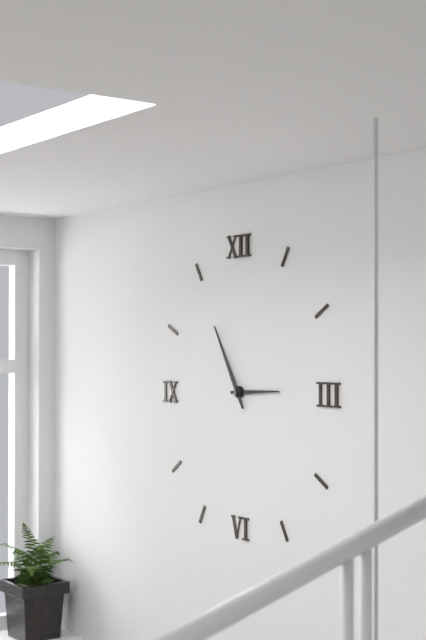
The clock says **2:55**
